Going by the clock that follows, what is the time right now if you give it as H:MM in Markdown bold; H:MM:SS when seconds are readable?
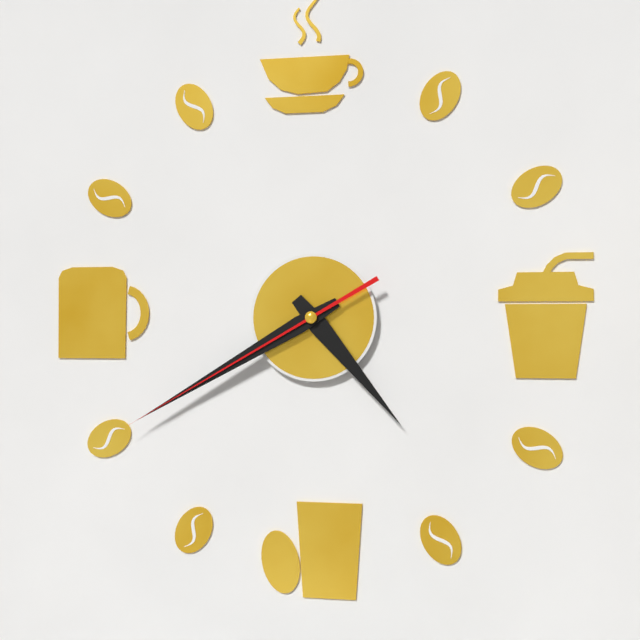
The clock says **4:40:40**
